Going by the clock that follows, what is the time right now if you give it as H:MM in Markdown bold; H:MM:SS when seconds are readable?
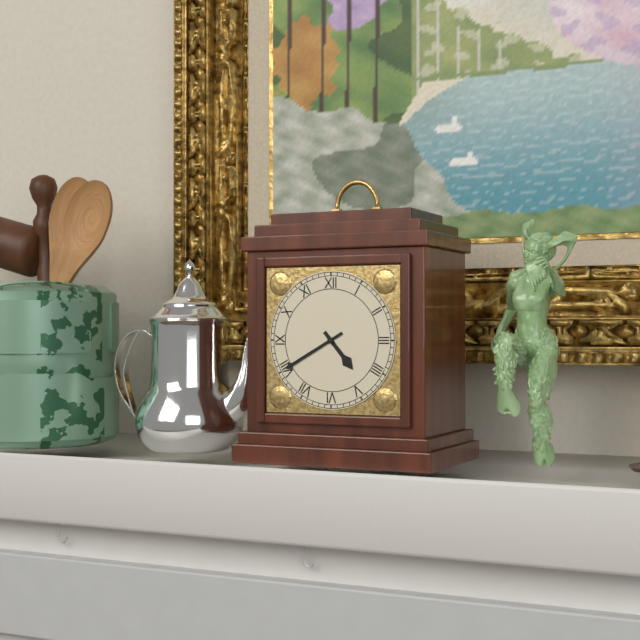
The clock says **4:40**
